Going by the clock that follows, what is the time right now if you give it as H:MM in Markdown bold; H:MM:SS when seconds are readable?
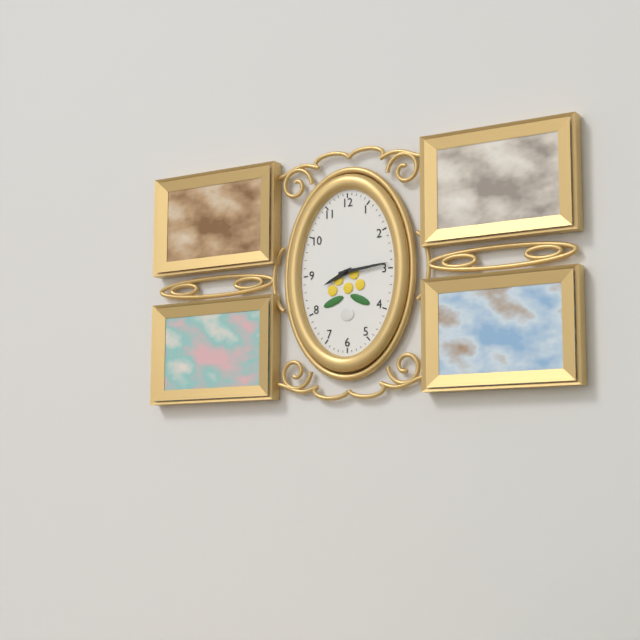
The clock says **8:14**
